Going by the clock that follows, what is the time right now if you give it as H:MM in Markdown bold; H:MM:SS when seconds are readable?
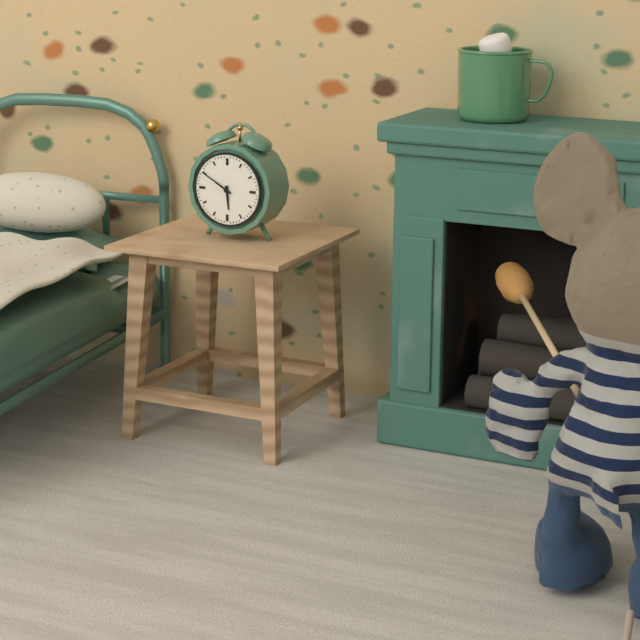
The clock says **5:50**
